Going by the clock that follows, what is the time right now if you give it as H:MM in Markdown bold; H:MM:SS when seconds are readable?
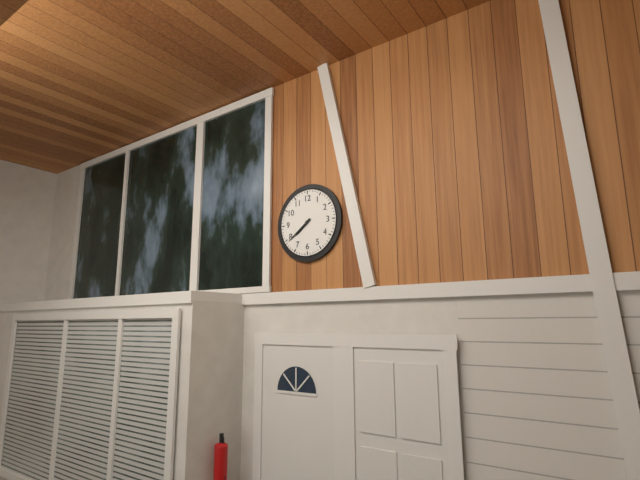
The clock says **7:39**
